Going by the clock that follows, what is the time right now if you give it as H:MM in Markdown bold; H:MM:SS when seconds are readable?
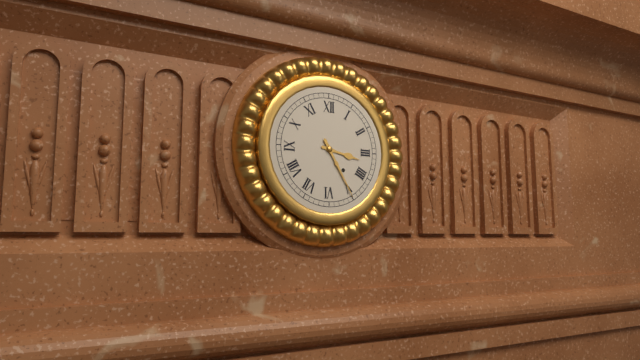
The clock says **3:25**
